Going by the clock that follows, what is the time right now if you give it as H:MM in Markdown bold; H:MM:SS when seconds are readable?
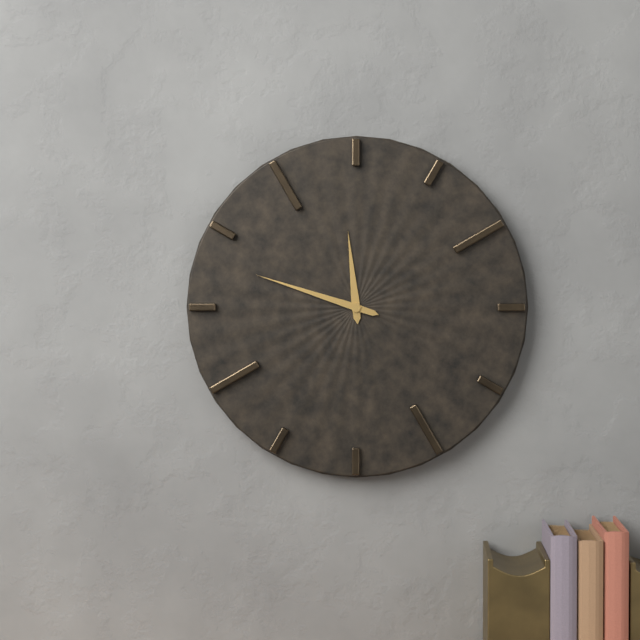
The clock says **11:48**
